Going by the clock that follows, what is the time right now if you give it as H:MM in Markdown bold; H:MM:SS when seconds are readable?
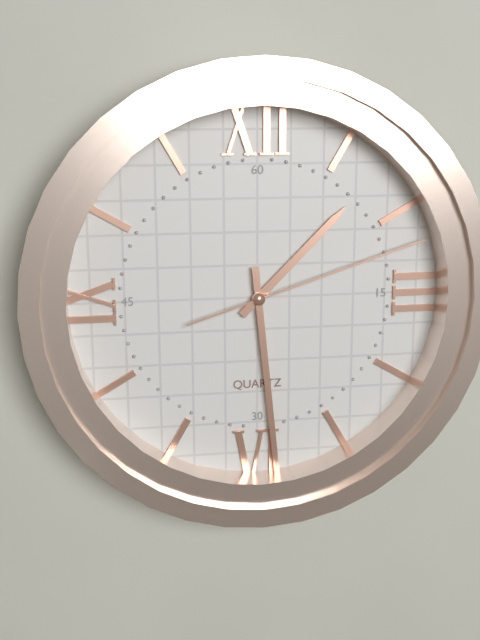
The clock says **1:29:12**
